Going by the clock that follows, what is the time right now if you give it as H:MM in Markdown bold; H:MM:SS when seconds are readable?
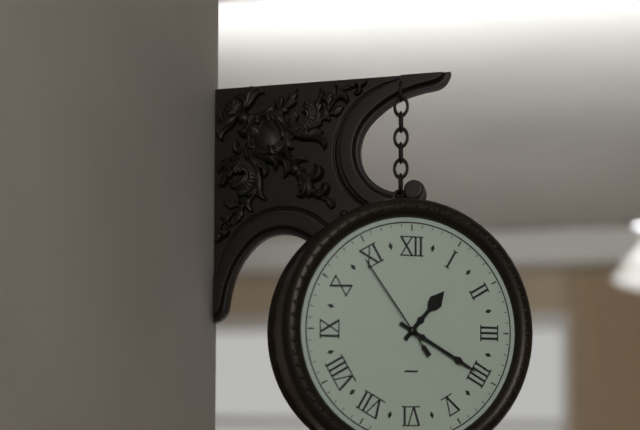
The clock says **1:20:54**
